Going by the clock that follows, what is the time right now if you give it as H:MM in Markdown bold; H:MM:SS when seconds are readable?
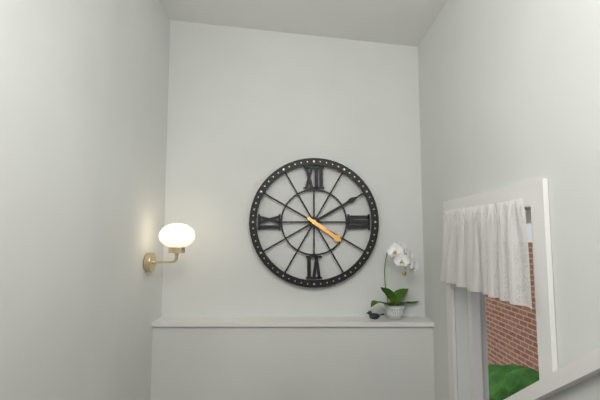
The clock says **4:10**
